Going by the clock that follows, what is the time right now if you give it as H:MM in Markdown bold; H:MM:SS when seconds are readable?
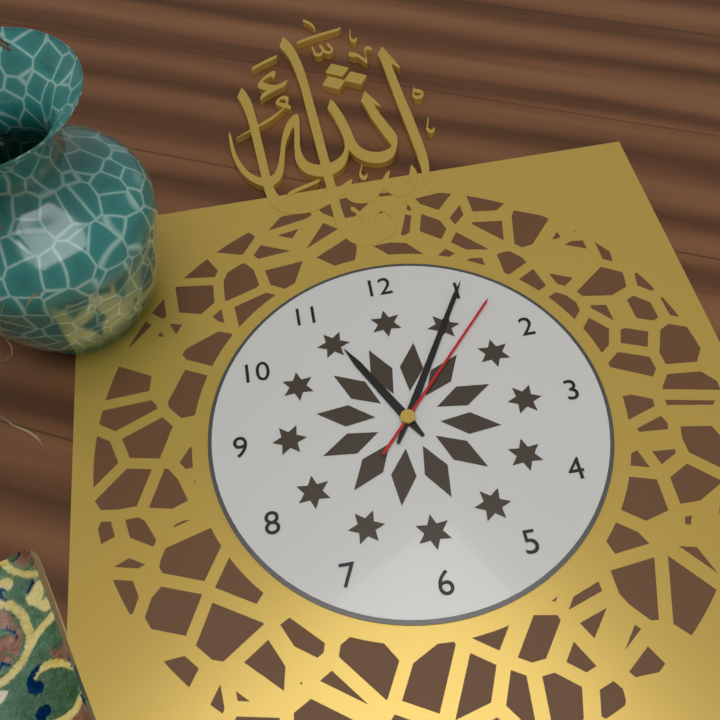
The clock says **11:05:07**
